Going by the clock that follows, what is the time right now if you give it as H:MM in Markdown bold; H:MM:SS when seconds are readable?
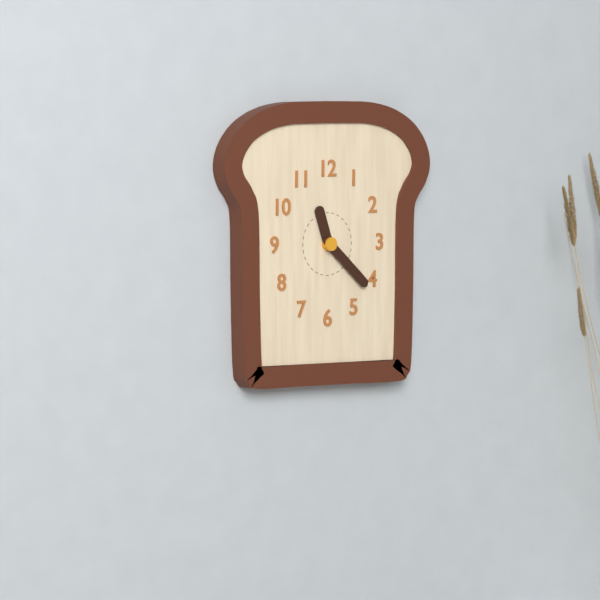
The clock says **11:22**
